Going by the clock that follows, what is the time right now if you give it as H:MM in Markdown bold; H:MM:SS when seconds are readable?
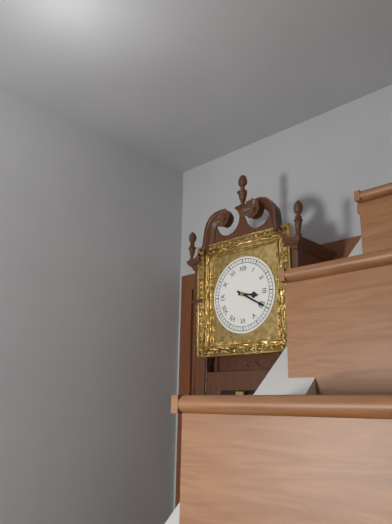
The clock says **3:20**
